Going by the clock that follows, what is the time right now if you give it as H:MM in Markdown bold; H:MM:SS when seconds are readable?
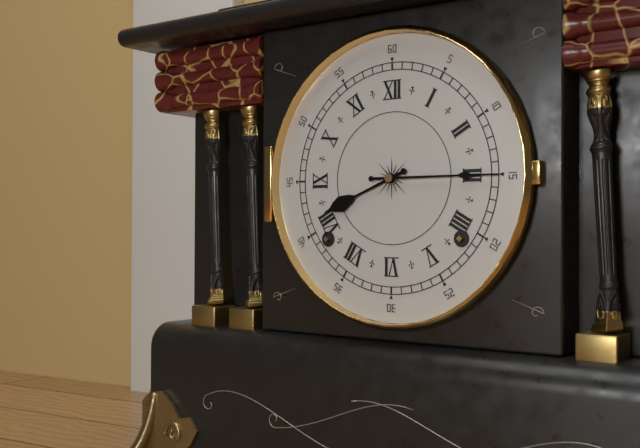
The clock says **8:15**
